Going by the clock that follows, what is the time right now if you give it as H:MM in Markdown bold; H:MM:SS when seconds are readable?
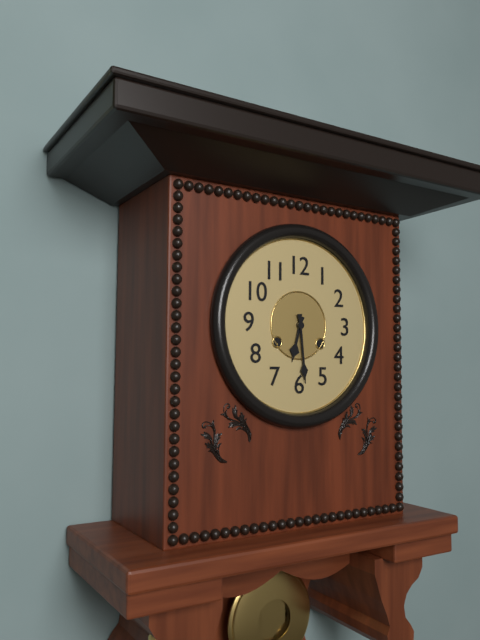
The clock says **6:29**
